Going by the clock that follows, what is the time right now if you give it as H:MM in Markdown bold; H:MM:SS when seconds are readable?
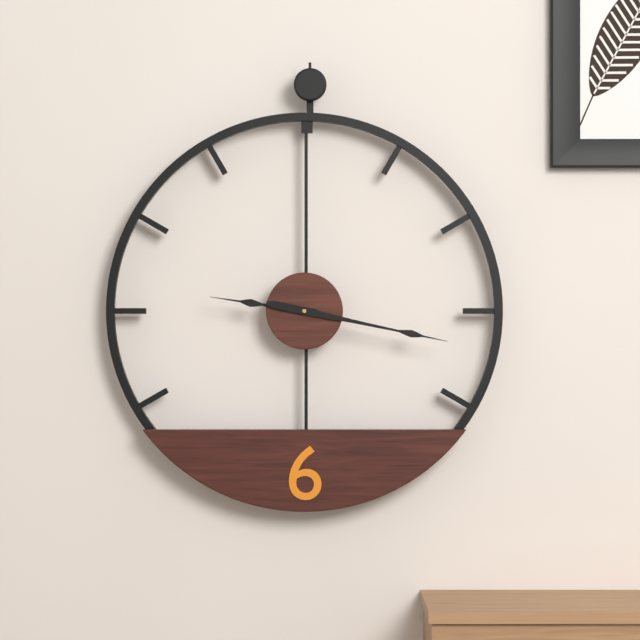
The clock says **9:17**
